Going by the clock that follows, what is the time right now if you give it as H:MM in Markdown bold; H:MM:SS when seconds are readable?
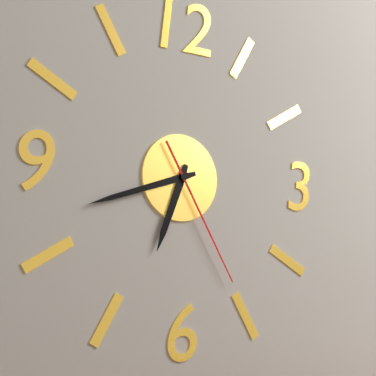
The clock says **6:42:25**
